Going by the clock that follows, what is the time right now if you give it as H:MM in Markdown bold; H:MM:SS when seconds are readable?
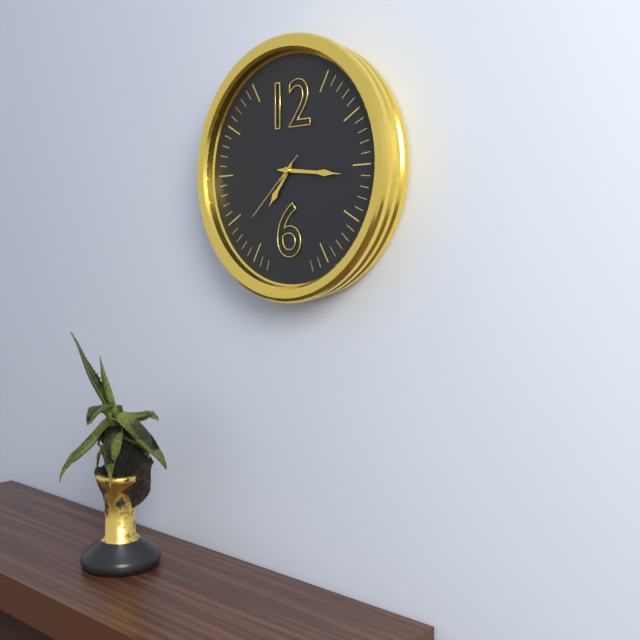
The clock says **7:16:38**
